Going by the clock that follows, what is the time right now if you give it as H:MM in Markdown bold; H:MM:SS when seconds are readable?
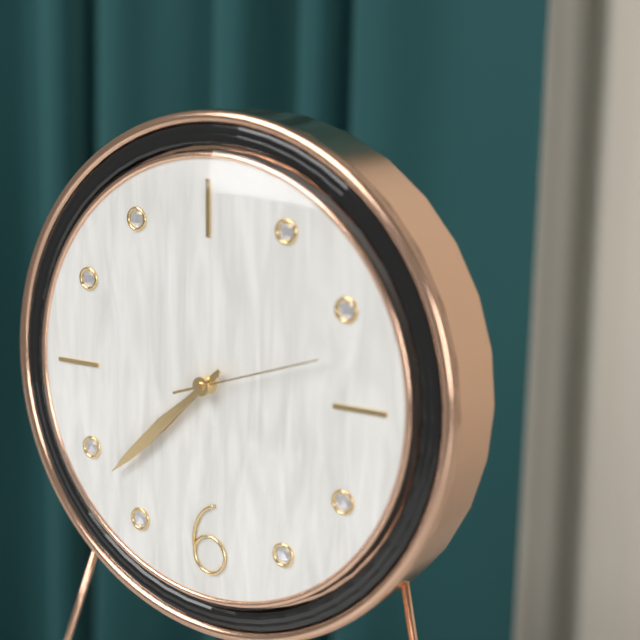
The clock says **7:38:12**
